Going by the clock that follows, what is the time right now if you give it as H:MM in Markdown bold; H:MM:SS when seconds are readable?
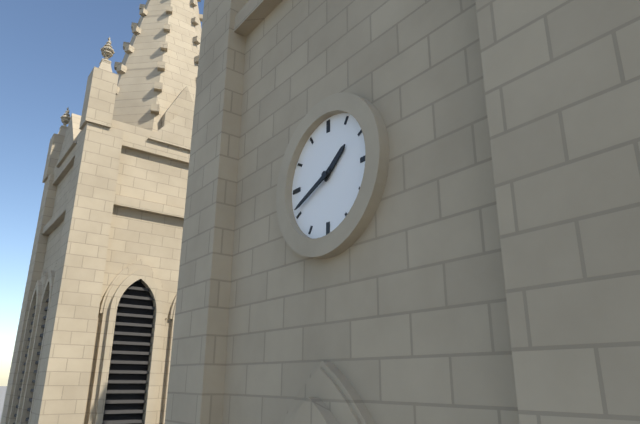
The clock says **1:41**
